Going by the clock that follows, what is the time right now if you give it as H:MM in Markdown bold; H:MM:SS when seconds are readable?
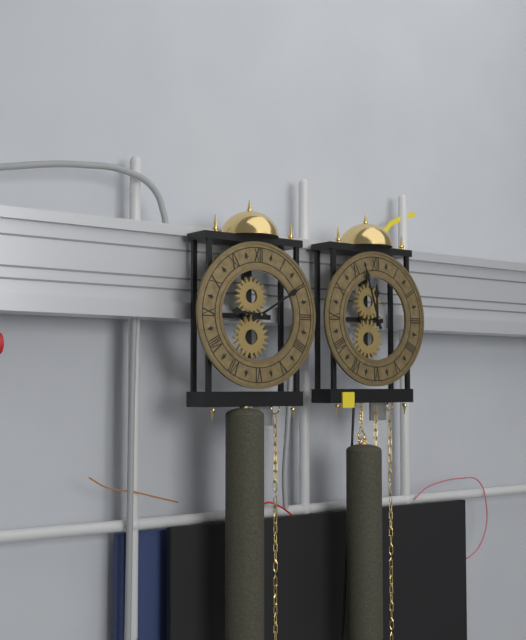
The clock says **9:10**
